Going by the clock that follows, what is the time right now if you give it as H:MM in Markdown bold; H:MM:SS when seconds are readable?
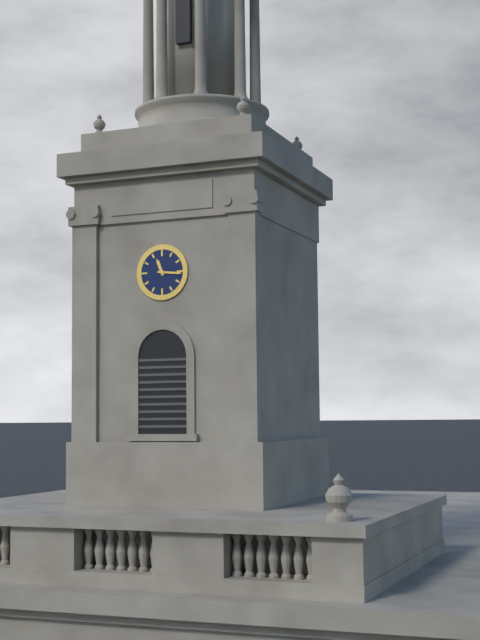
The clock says **11:16**
